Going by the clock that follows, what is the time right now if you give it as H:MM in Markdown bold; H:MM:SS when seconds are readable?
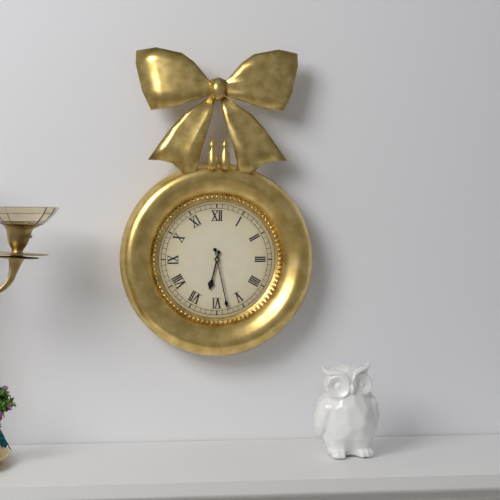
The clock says **6:28**
